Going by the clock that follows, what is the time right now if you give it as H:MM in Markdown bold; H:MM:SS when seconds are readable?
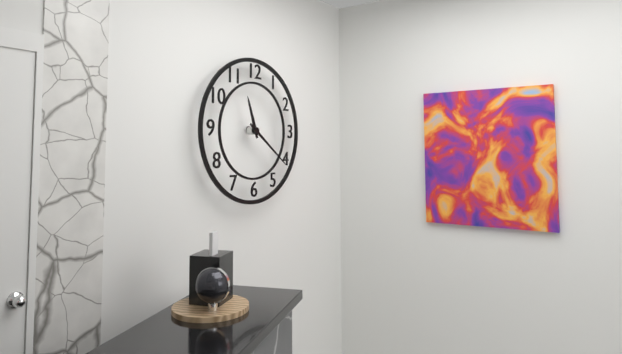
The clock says **11:21**
